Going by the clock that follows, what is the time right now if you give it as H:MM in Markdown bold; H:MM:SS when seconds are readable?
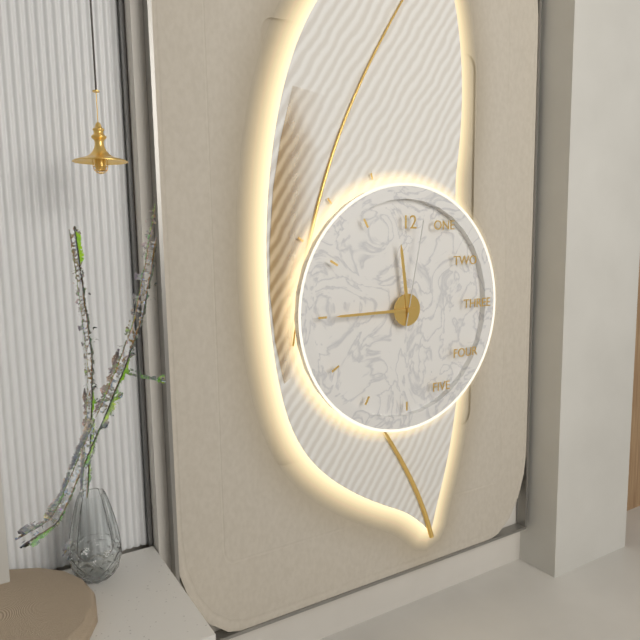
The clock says **11:45:02**
